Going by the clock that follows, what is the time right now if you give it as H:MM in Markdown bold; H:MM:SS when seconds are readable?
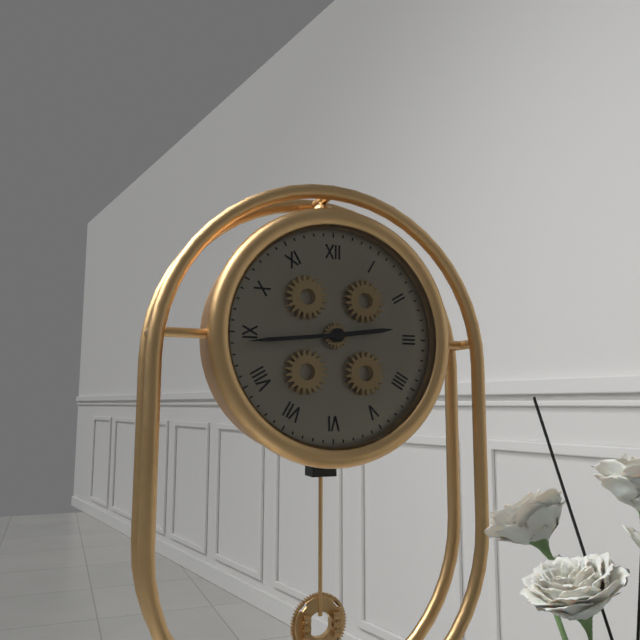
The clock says **2:44**
